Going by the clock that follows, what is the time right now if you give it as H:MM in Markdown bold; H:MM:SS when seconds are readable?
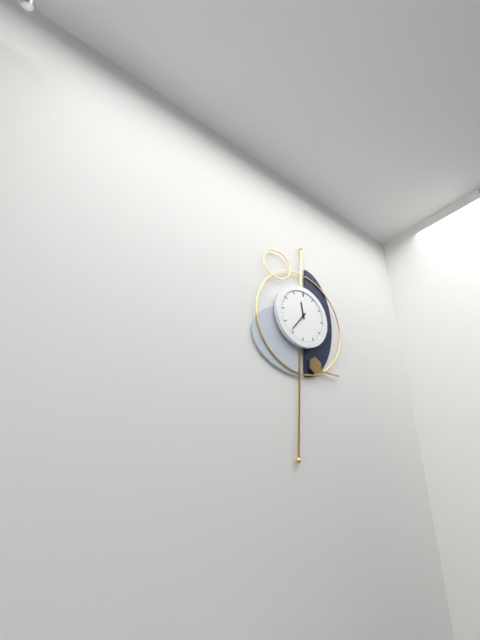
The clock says **11:36**
